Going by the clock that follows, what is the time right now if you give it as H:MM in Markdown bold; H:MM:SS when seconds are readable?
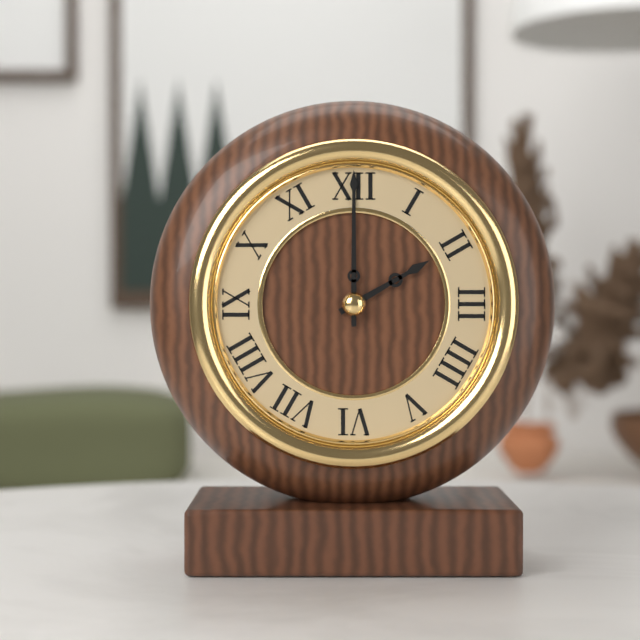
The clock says **2:00**
